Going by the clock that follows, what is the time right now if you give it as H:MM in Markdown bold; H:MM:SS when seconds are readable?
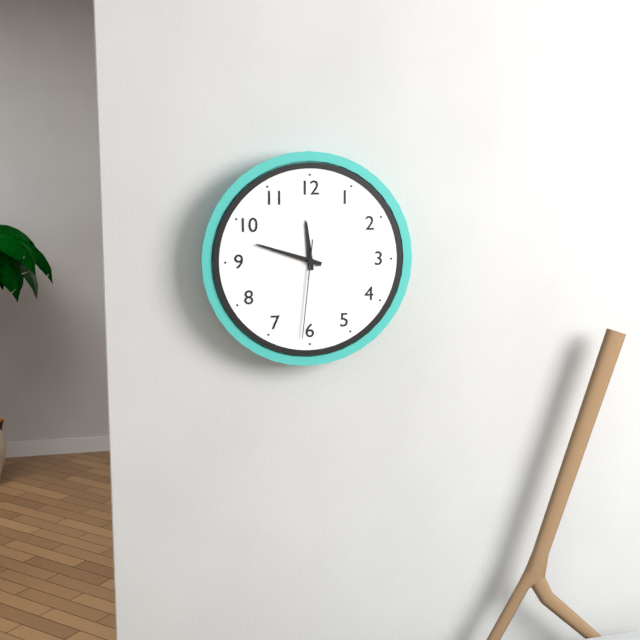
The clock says **11:48:31**
